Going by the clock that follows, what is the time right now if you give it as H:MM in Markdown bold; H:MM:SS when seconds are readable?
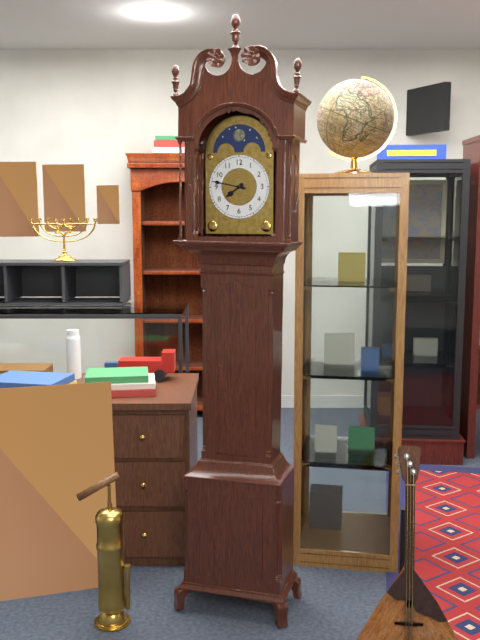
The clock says **7:47**
